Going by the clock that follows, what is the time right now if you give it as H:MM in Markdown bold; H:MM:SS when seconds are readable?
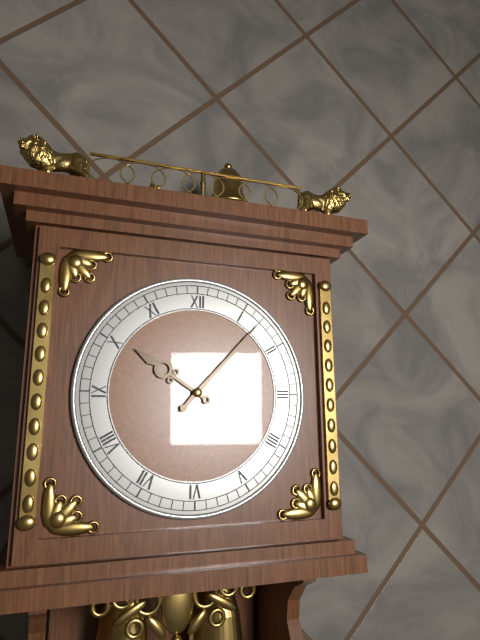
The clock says **10:07**
